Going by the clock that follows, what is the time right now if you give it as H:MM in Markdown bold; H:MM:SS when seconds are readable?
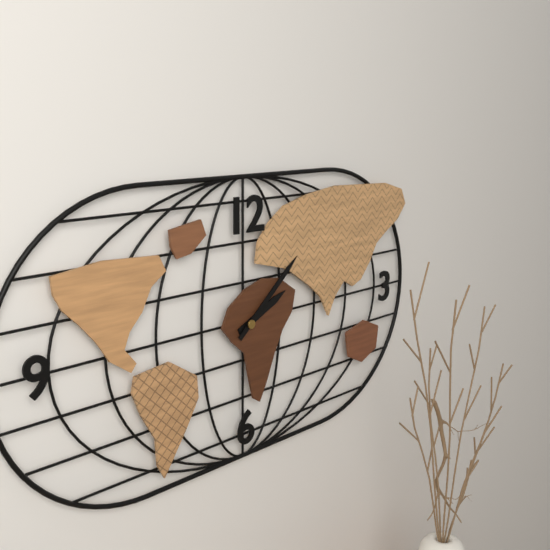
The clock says **2:08**
